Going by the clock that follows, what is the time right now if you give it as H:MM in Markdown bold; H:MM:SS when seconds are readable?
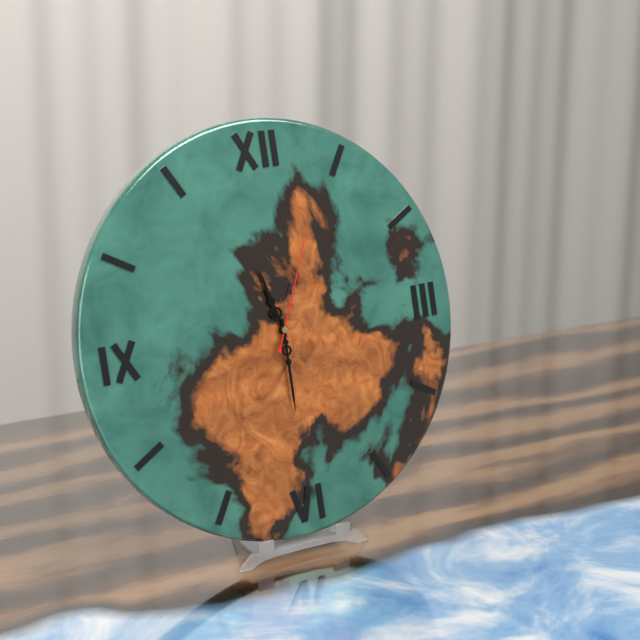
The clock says **11:30:04**
